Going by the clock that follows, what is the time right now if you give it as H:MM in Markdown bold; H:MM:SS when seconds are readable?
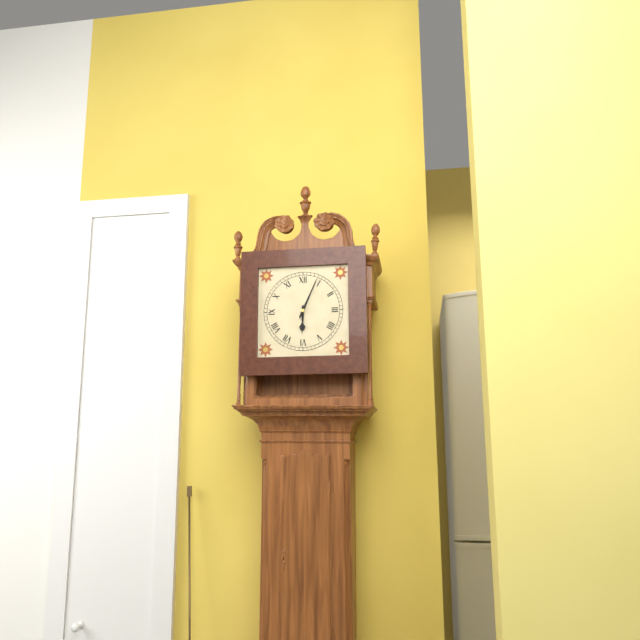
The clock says **6:04**
